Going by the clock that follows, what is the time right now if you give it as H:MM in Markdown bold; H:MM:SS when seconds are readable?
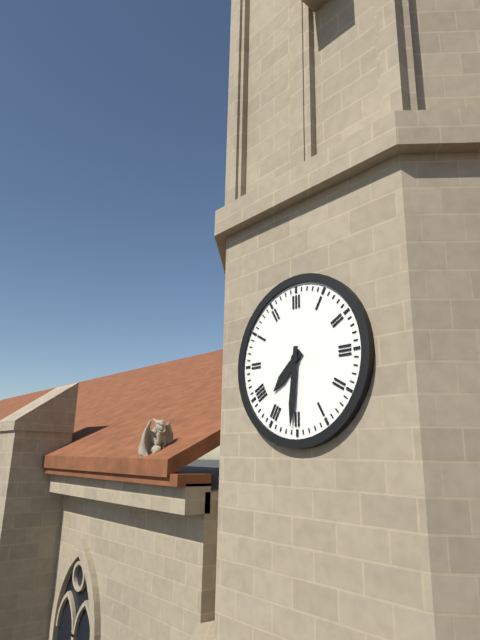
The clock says **7:31**
